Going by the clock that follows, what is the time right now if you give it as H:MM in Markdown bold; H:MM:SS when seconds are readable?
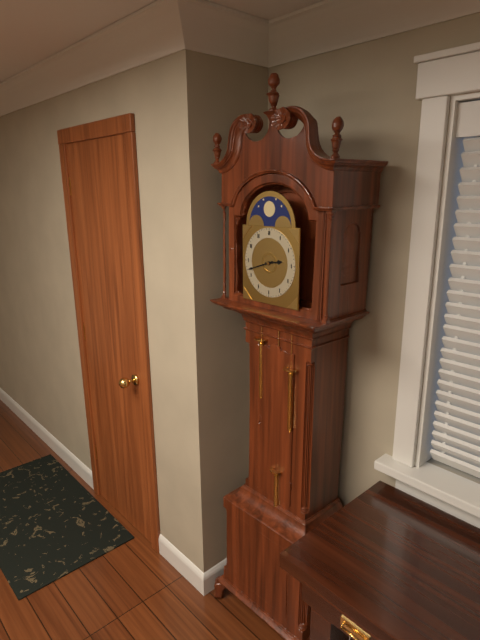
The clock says **2:42**
